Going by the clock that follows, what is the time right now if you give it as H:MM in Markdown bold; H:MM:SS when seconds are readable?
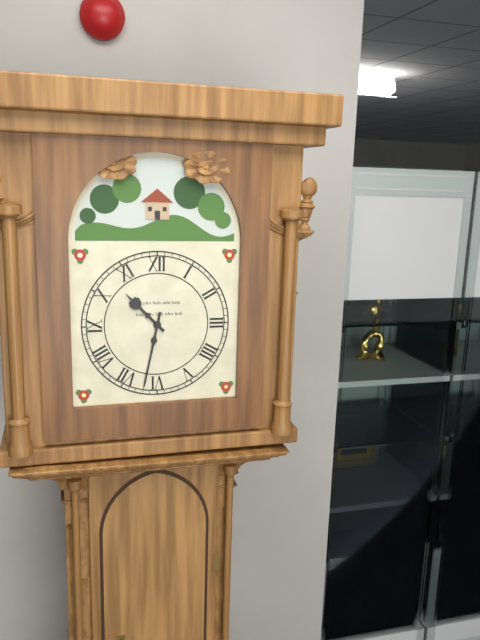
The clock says **10:32**
